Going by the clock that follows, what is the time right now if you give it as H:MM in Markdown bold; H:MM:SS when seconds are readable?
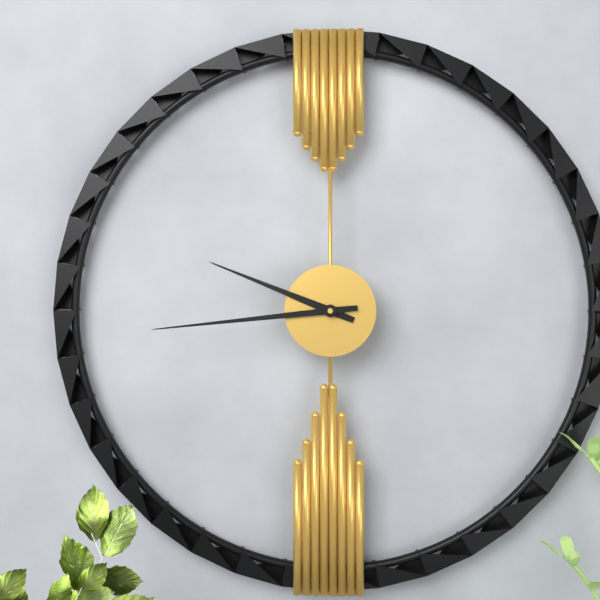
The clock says **9:44**
